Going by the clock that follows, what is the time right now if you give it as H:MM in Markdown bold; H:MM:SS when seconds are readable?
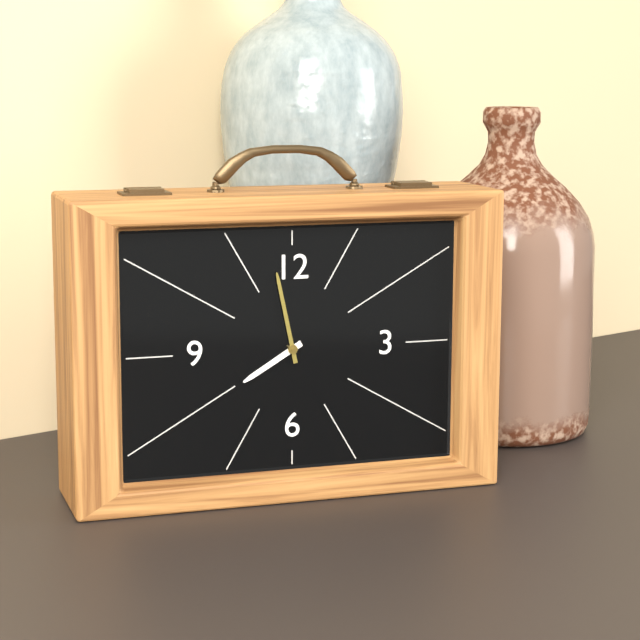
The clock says **7:58**
